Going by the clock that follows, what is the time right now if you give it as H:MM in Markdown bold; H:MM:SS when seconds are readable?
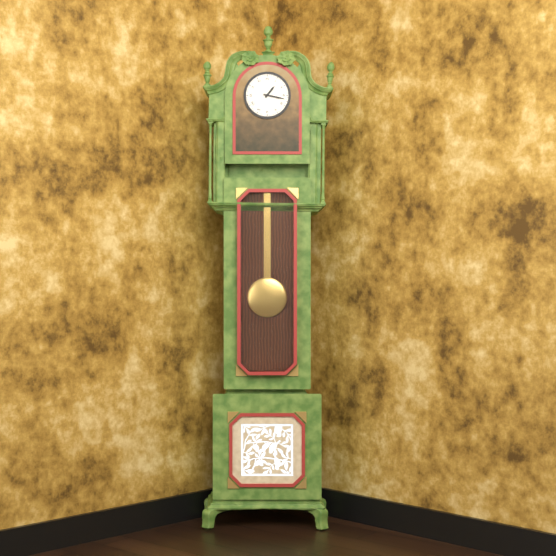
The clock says **1:17**
